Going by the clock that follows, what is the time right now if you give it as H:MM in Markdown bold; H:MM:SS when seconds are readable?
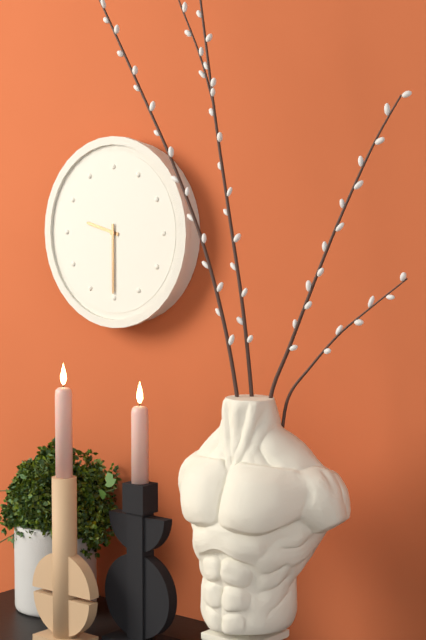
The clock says **9:30**
